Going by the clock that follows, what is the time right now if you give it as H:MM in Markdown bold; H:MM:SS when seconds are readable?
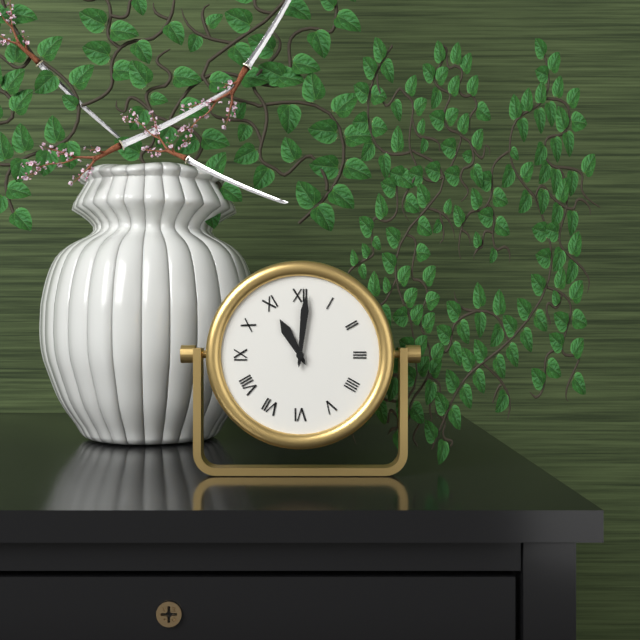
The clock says **11:01**
